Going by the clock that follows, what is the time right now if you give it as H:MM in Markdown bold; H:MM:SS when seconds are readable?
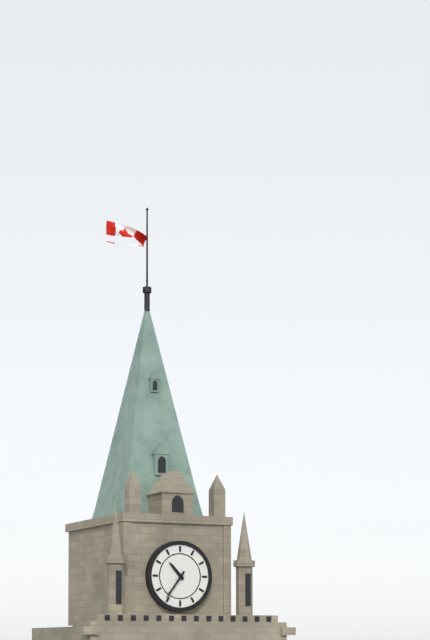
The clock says **10:36**
